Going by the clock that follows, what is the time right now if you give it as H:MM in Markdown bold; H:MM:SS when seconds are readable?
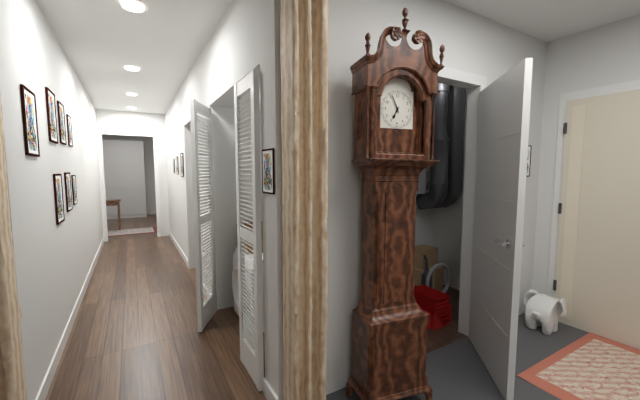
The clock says **6:56**
